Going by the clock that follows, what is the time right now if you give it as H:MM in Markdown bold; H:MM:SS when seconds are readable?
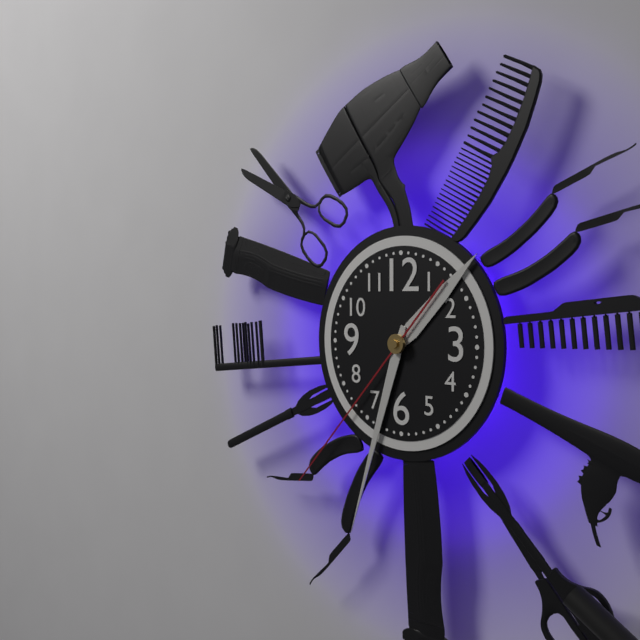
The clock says **1:33:37**
